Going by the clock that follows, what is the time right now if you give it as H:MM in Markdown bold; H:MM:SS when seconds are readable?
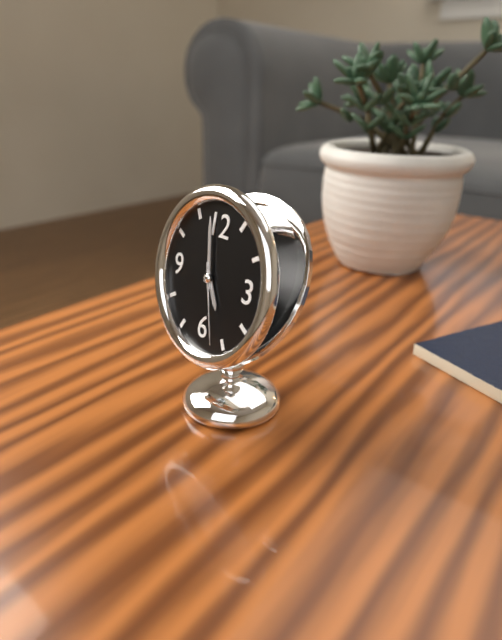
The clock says **4:58:27**
